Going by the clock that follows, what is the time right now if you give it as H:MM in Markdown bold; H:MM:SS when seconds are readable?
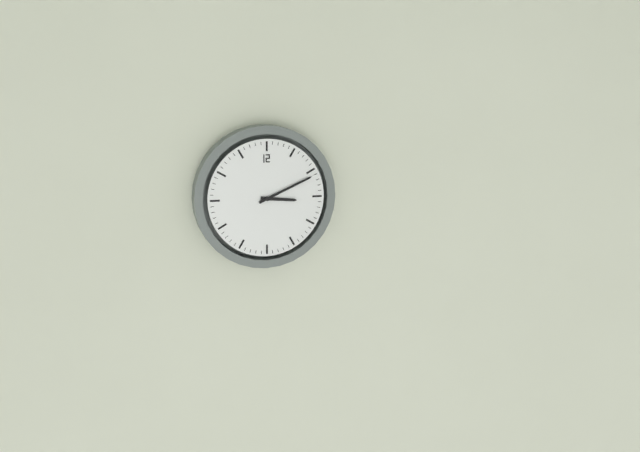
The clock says **3:11**
